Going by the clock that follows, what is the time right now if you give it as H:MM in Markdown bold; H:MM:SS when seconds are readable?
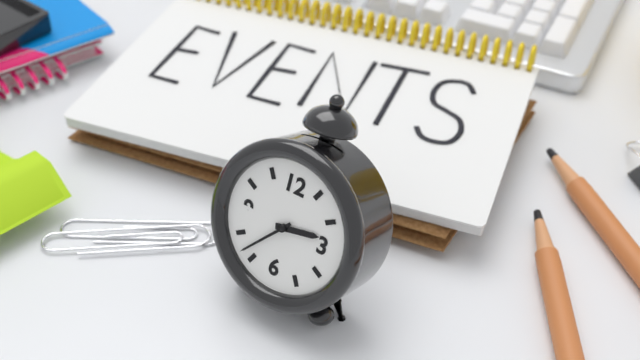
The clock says **2:37**
